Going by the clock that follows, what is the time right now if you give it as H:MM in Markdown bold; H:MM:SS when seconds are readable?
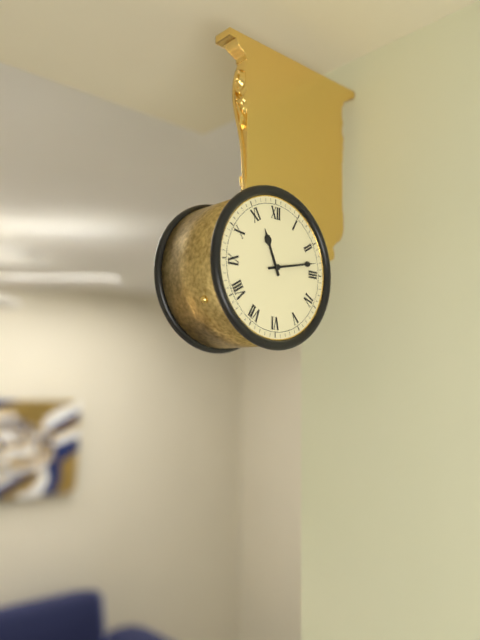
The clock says **11:13**
